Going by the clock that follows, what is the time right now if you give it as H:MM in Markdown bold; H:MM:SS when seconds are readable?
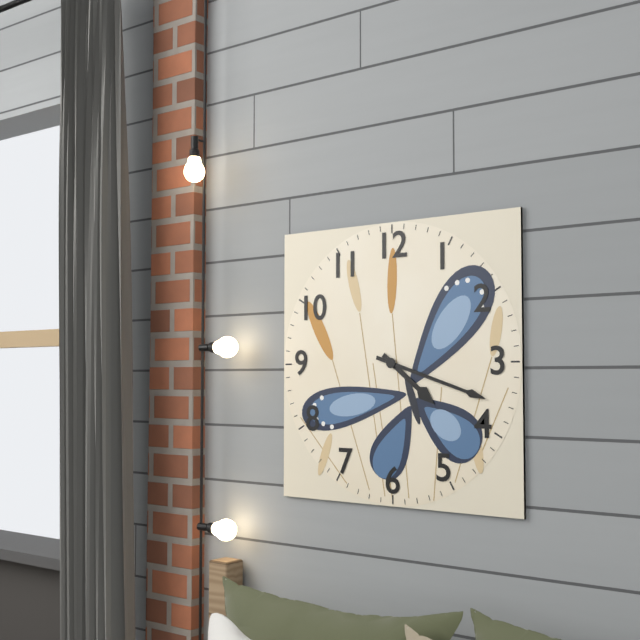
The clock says **4:18**
